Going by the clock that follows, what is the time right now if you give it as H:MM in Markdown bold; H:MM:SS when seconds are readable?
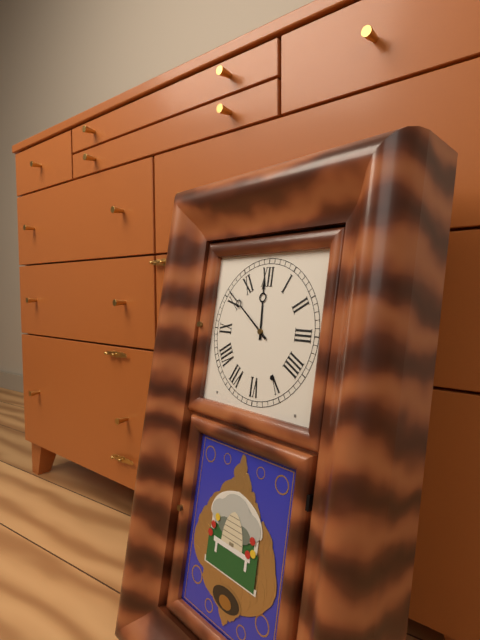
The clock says **11:51**
